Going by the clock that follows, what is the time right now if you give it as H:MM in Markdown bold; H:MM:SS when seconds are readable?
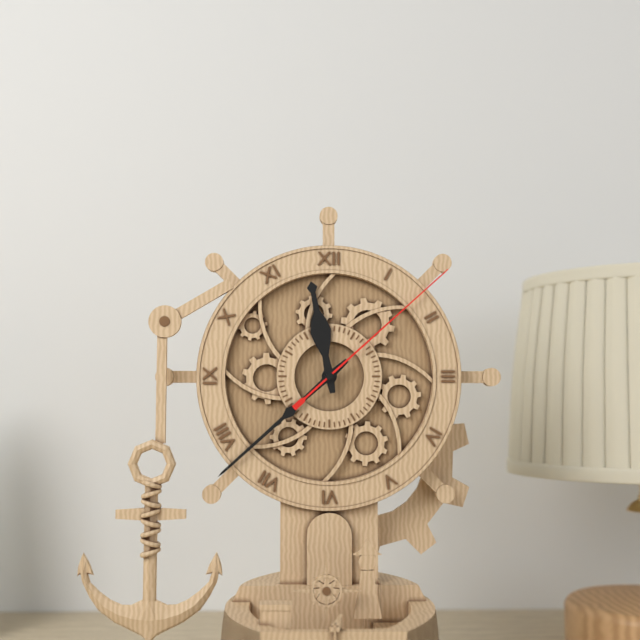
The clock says **11:38:08**
